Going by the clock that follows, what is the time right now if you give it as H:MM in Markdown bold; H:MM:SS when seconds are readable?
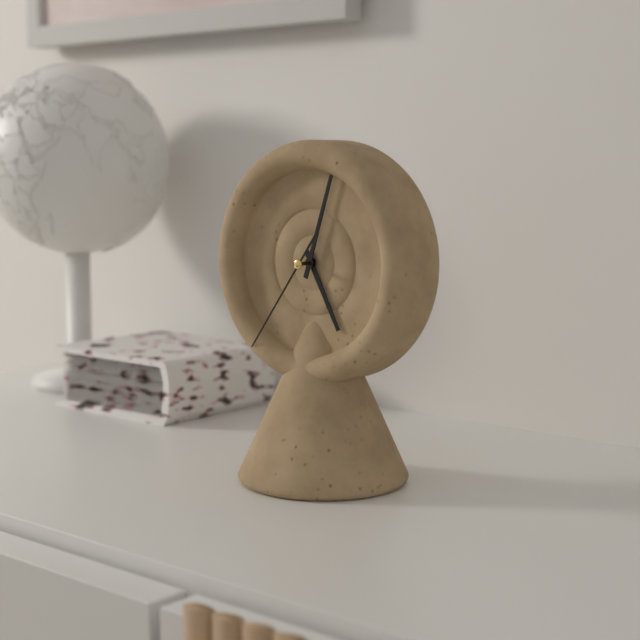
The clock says **5:03:36**
